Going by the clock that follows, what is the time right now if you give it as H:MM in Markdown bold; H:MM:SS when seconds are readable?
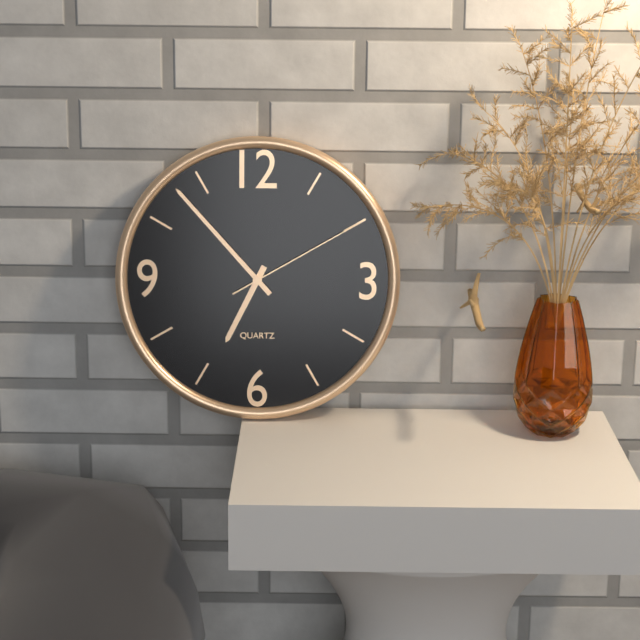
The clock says **6:53:10**
